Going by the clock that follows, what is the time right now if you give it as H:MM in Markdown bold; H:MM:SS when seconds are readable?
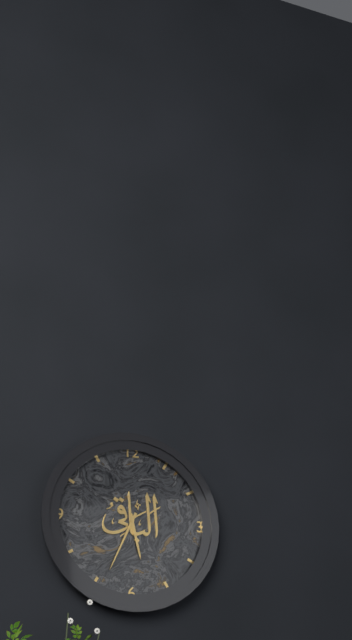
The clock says **5:34**
